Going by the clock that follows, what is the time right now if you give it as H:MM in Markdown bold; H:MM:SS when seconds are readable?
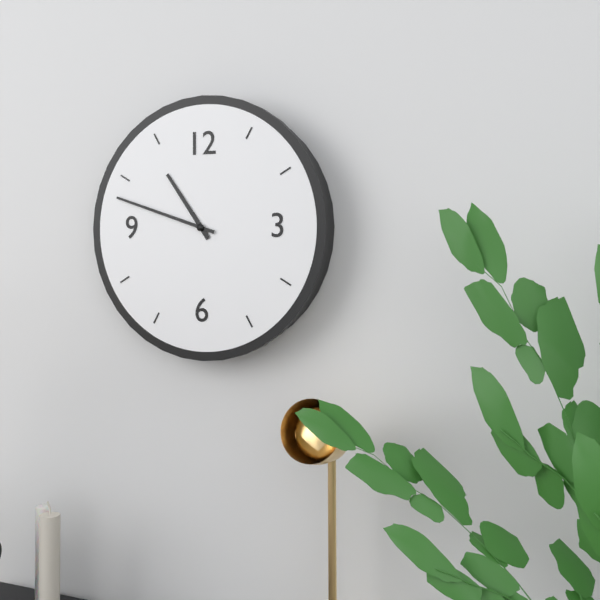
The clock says **10:48**
